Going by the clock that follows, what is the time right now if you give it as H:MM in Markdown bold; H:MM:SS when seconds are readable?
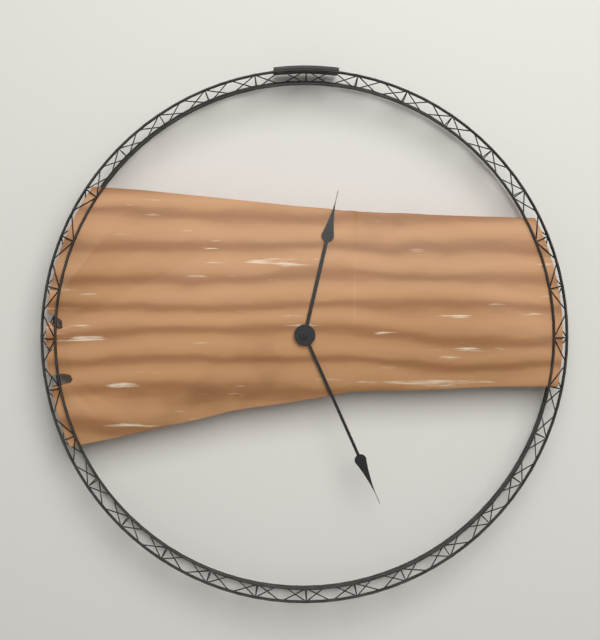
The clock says **12:26**
